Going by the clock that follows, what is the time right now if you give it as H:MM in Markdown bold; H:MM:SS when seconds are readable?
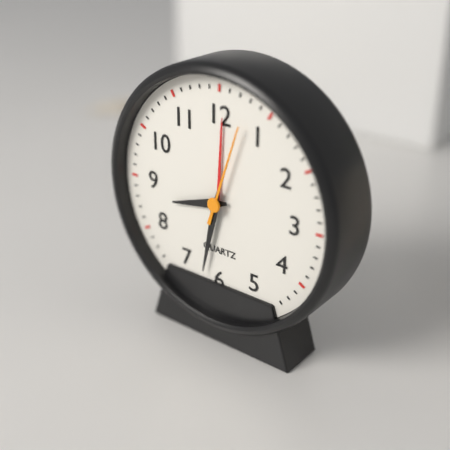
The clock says **8:32:03**
